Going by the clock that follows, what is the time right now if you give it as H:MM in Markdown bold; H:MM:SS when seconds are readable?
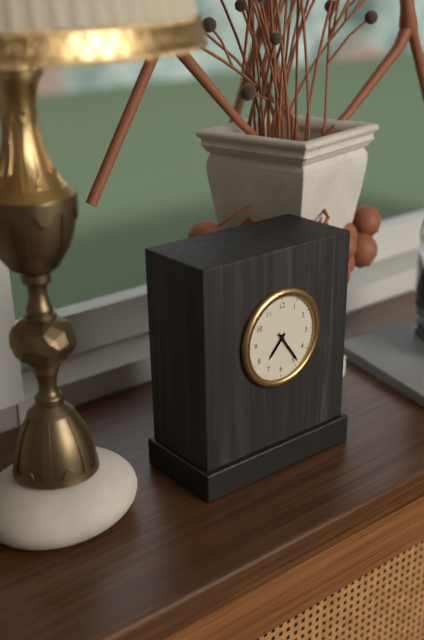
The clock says **7:24**
